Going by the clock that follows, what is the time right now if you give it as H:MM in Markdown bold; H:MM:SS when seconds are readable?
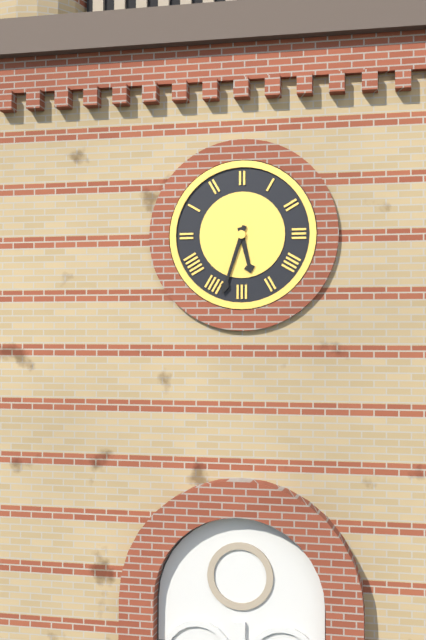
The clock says **5:33**
